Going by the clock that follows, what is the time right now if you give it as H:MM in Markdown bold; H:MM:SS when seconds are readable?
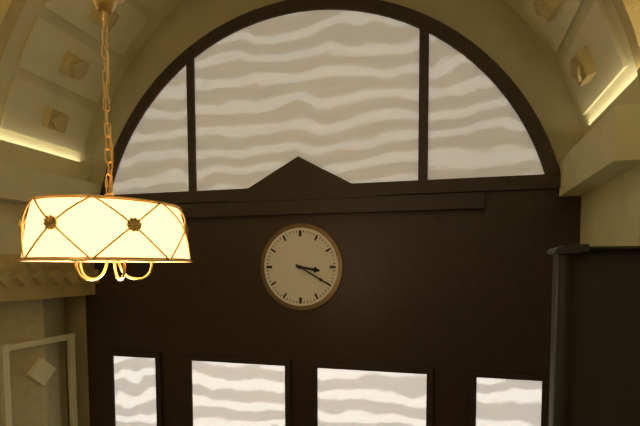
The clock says **3:20**
